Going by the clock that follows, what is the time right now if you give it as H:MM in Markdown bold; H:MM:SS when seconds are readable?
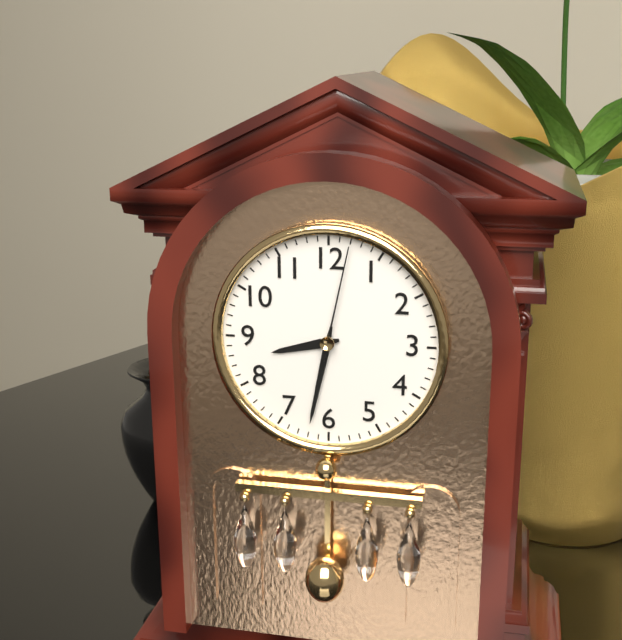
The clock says **8:32:02**
